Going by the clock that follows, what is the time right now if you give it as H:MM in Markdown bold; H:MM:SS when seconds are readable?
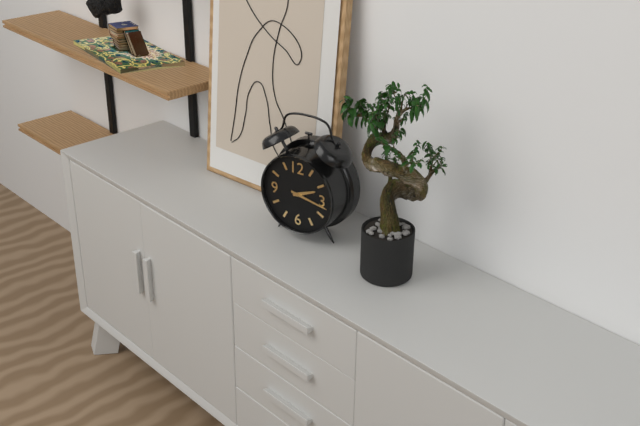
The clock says **2:17**
